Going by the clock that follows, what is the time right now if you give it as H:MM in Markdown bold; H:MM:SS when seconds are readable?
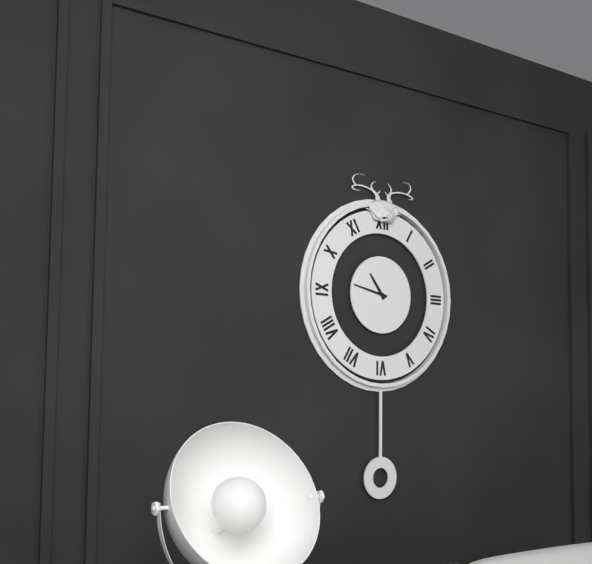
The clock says **10:47**
